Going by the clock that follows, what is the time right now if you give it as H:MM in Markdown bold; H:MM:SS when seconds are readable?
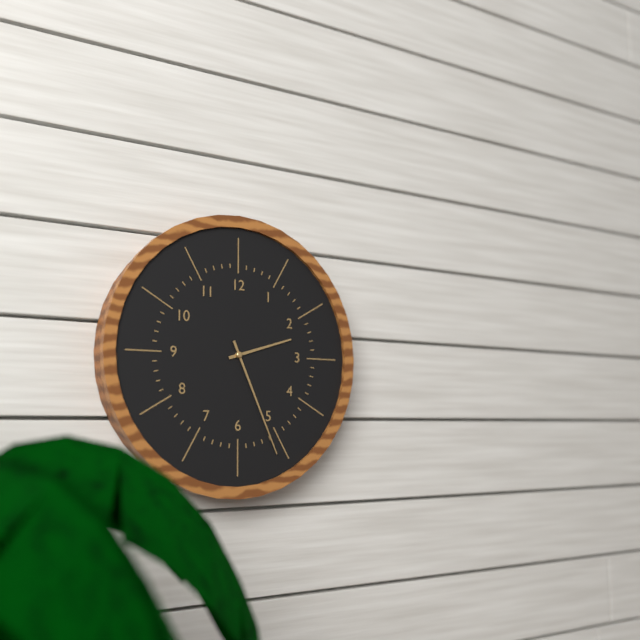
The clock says **2:26**
